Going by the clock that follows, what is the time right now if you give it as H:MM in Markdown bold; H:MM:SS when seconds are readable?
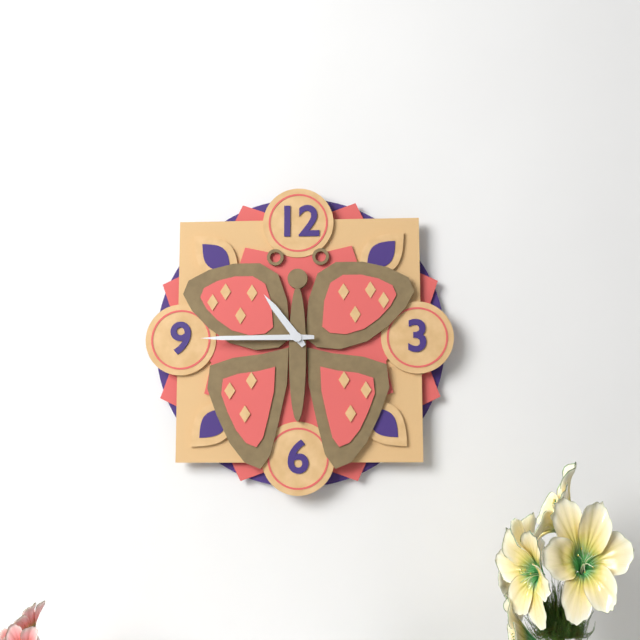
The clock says **10:45**
